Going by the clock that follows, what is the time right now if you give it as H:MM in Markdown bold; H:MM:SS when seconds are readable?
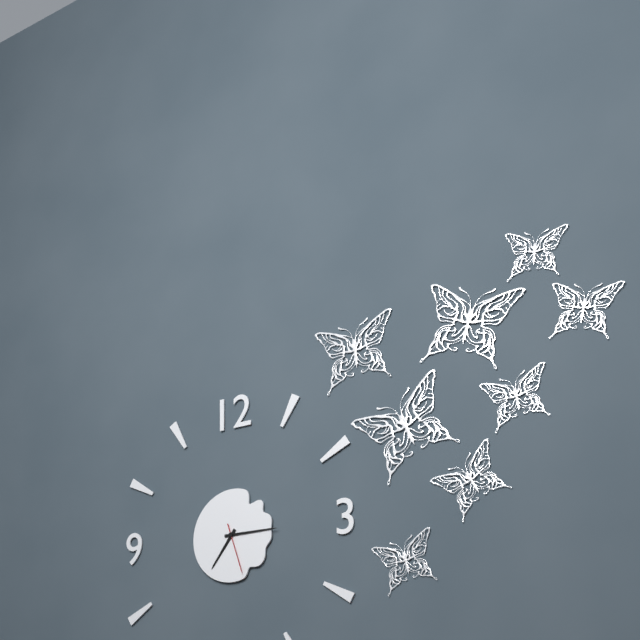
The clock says **7:15:27**
